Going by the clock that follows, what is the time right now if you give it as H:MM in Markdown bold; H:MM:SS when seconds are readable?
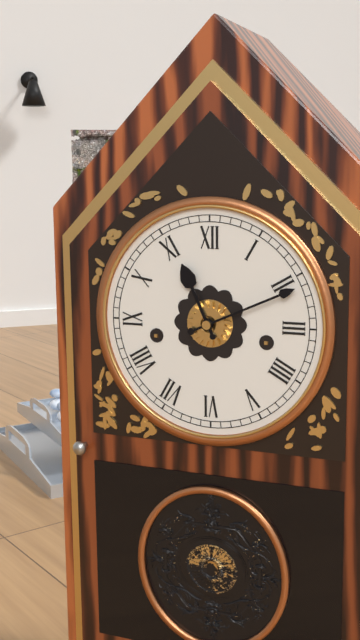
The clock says **11:11**
